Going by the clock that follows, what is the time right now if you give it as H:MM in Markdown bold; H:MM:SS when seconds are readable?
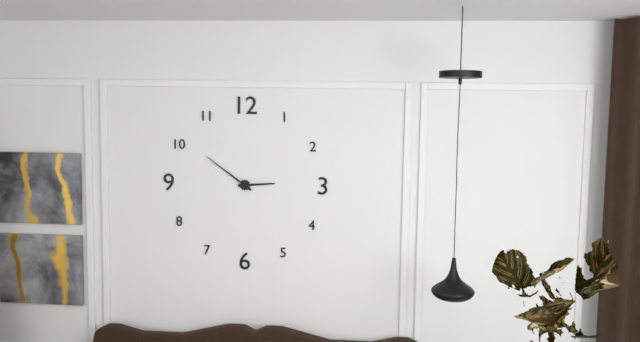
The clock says **2:51**
